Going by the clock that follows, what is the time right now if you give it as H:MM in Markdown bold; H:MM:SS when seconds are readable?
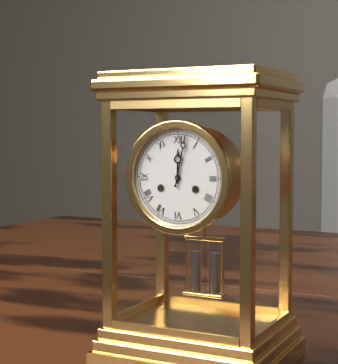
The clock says **12:02**
